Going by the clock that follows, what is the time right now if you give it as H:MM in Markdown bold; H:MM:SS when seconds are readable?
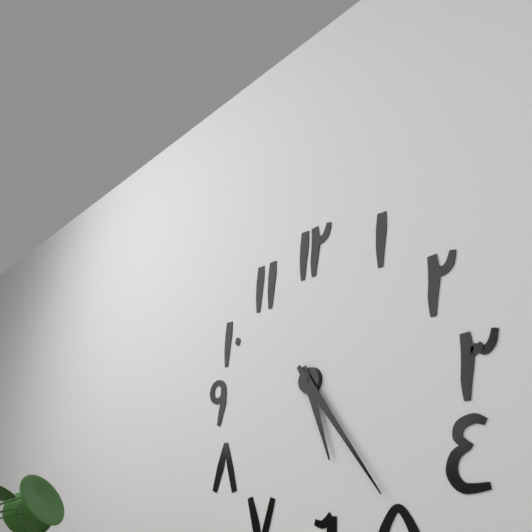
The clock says **5:24**
